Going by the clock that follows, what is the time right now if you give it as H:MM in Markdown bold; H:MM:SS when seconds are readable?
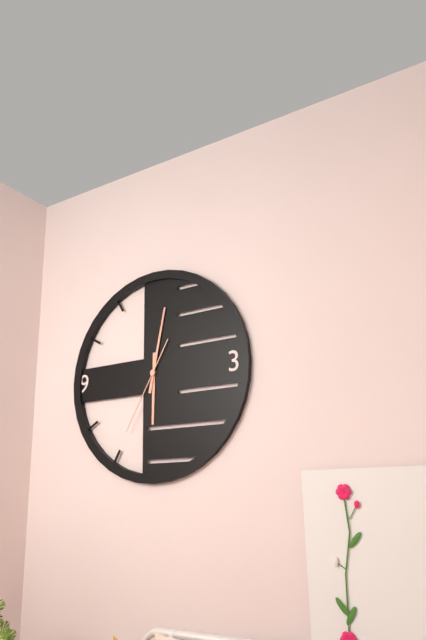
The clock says **6:02:35**
